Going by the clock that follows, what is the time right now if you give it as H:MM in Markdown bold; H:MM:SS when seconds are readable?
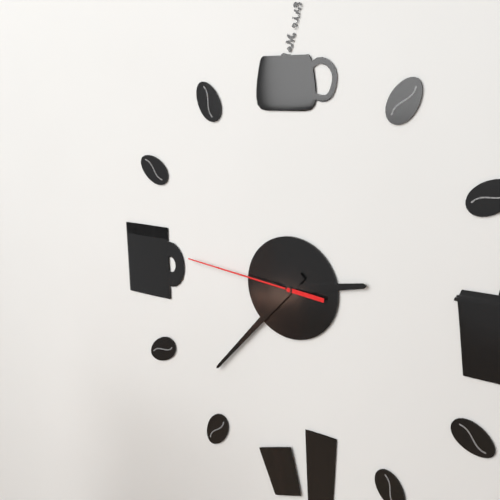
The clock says **2:37:46**
